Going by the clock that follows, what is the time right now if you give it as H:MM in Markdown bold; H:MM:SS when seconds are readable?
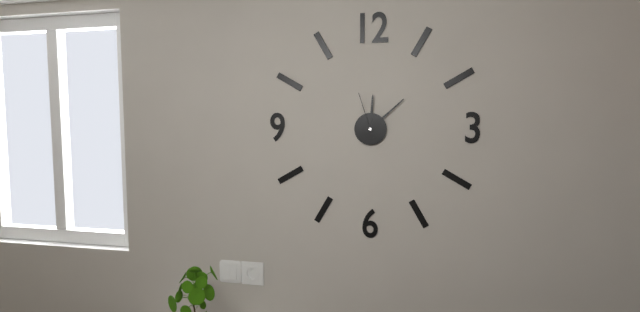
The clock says **12:08**
